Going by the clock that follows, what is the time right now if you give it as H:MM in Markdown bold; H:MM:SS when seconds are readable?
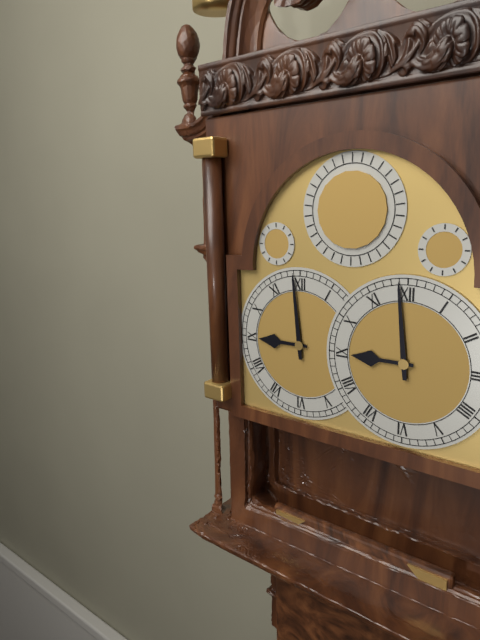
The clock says **8:59**
